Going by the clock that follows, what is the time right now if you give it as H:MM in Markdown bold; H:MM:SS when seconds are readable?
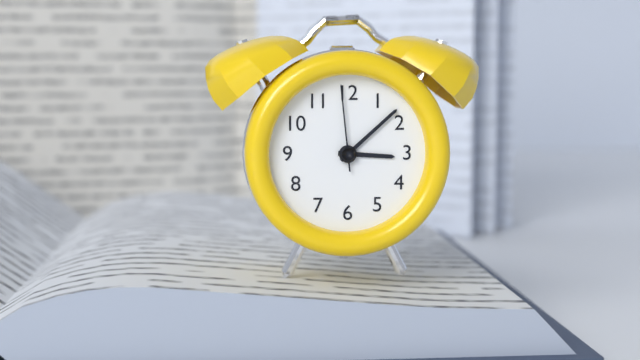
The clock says **3:08:59**
